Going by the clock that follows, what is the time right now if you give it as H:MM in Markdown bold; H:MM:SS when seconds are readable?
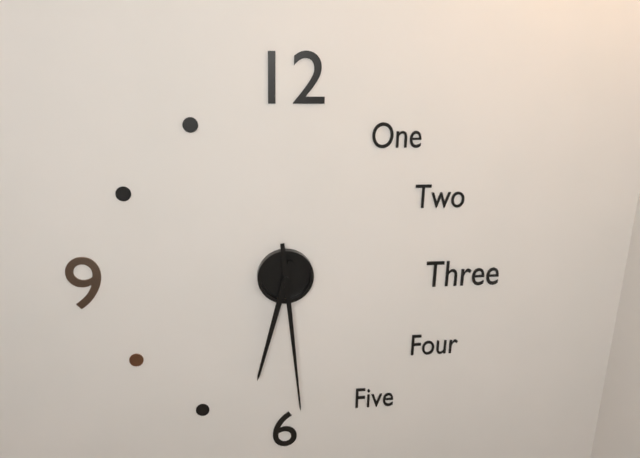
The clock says **6:29**
